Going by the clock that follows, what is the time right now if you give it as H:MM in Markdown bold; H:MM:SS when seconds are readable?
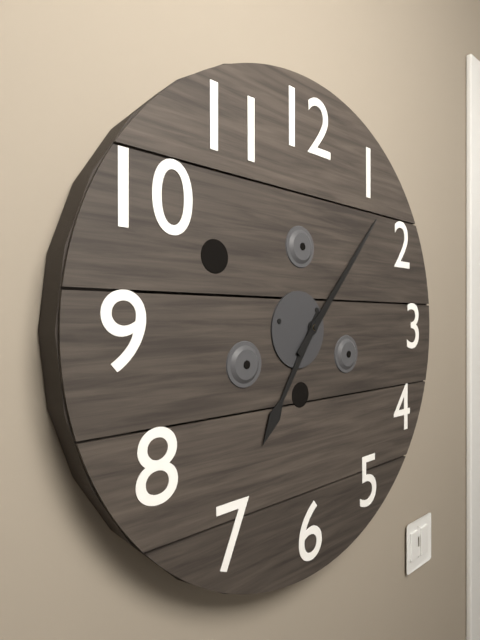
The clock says **7:07**
